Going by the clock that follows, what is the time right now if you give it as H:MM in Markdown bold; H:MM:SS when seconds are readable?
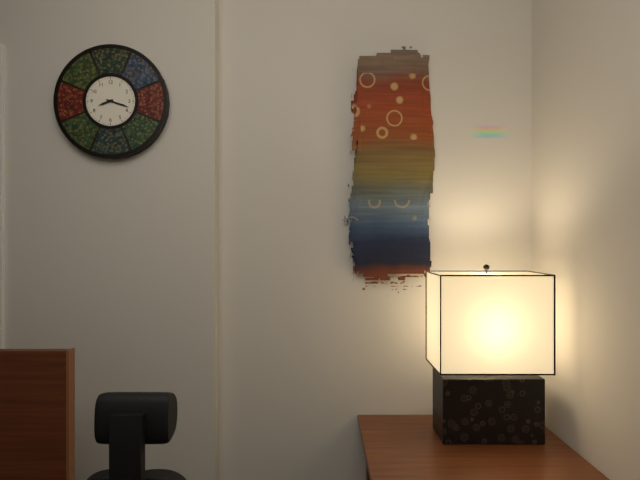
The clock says **8:18**
